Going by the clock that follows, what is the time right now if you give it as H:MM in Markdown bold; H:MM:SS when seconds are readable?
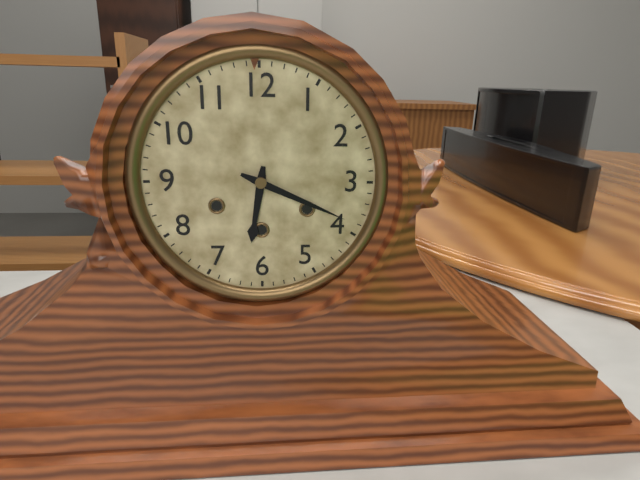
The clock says **6:19**
